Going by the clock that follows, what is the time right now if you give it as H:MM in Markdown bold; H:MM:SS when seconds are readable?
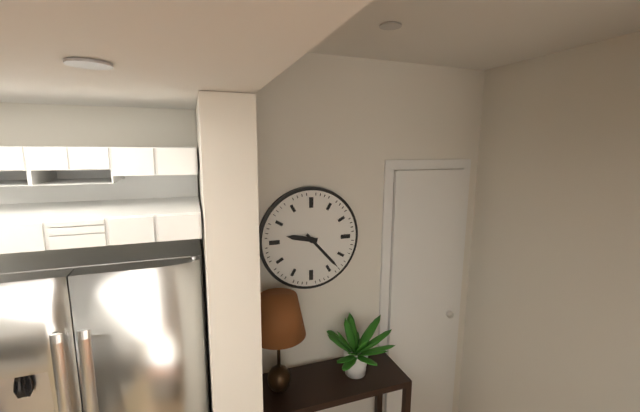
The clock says **9:23**
